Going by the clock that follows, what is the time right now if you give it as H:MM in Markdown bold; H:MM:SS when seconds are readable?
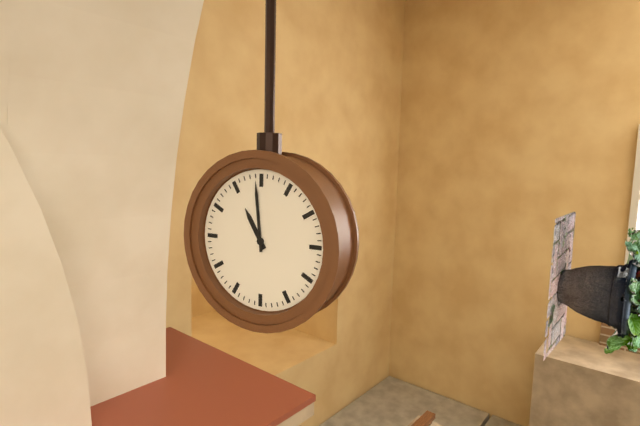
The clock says **10:59**
